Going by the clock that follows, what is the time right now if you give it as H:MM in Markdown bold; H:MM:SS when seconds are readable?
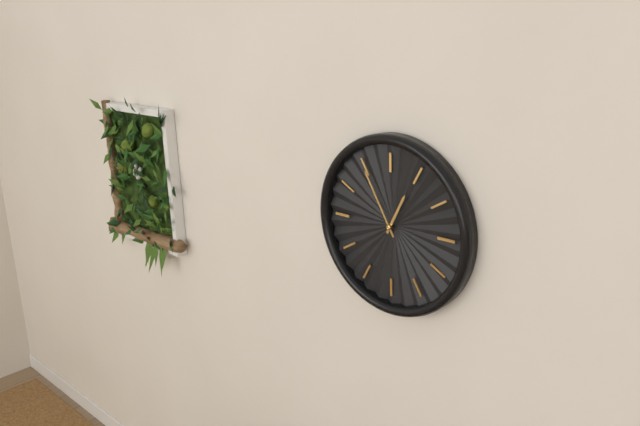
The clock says **12:55**
